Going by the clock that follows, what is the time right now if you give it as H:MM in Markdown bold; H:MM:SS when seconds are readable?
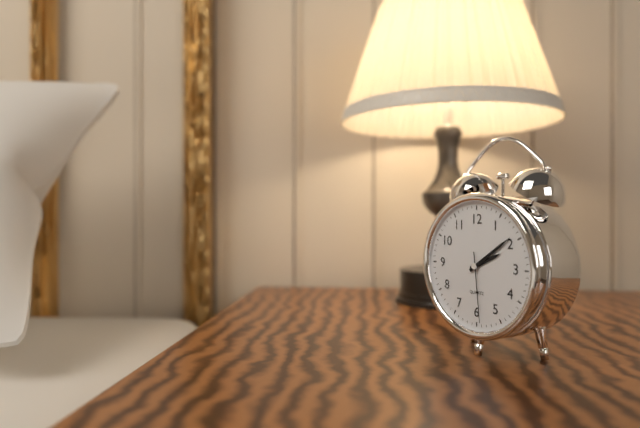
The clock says **2:09:29**
